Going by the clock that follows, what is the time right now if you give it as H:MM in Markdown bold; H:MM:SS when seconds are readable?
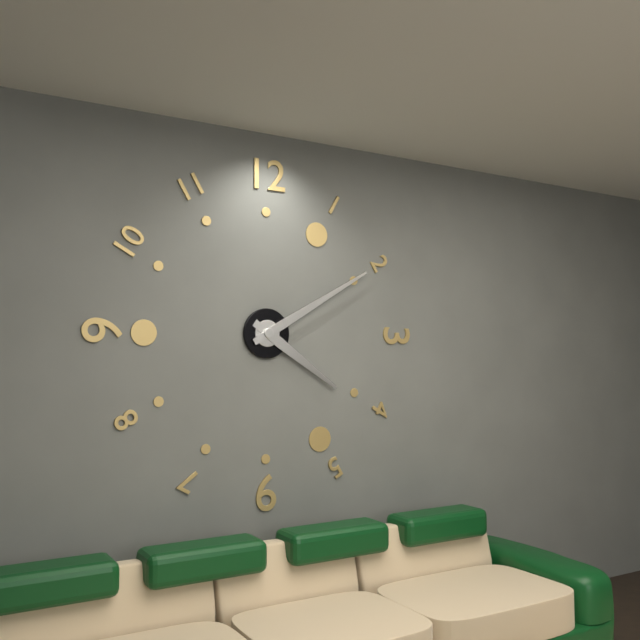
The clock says **4:10**
